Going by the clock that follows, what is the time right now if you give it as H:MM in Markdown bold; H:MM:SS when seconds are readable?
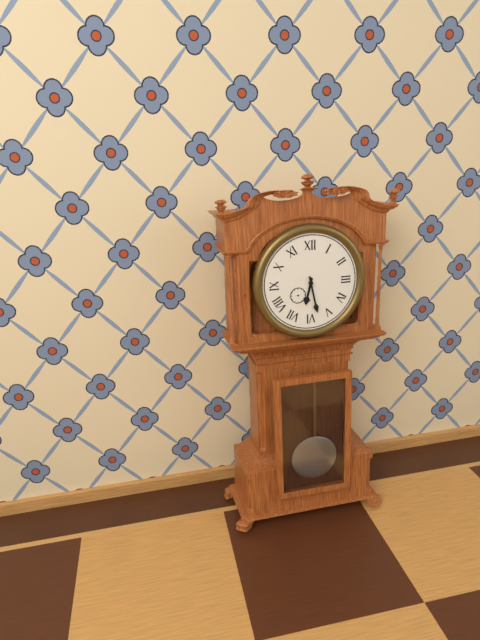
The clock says **6:28**
